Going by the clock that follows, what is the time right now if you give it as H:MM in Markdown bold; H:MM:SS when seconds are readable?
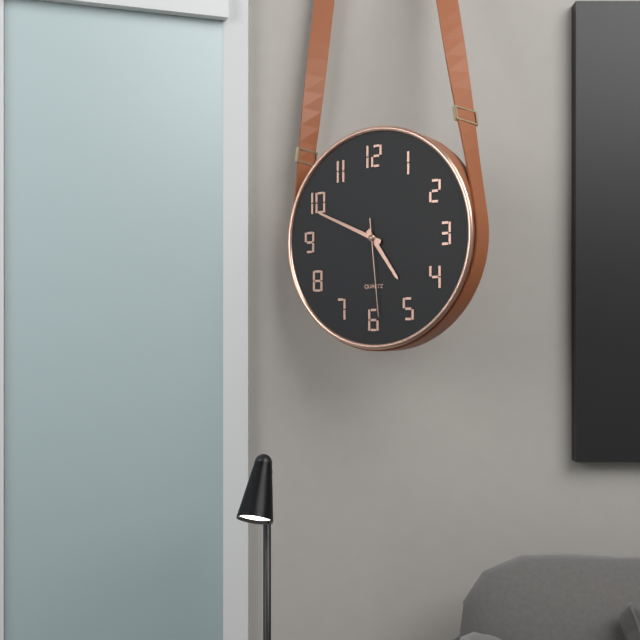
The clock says **4:49:29**
